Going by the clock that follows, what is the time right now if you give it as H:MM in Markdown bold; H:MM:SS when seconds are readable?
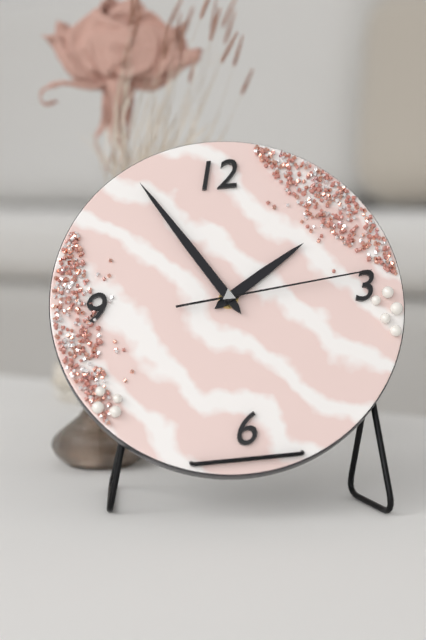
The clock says **1:55:14**
